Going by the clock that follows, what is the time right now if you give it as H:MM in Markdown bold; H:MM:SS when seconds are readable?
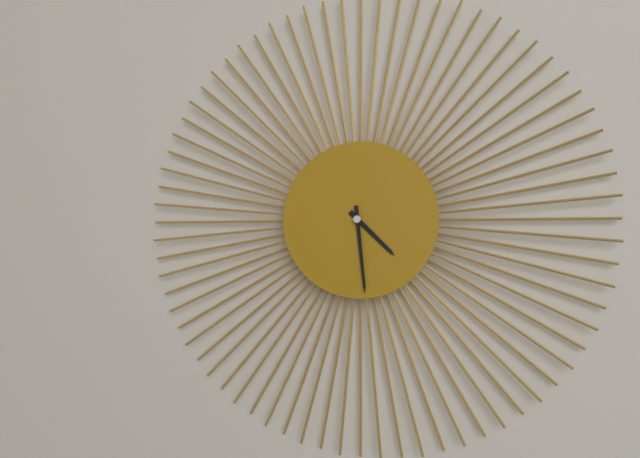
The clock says **4:29**
